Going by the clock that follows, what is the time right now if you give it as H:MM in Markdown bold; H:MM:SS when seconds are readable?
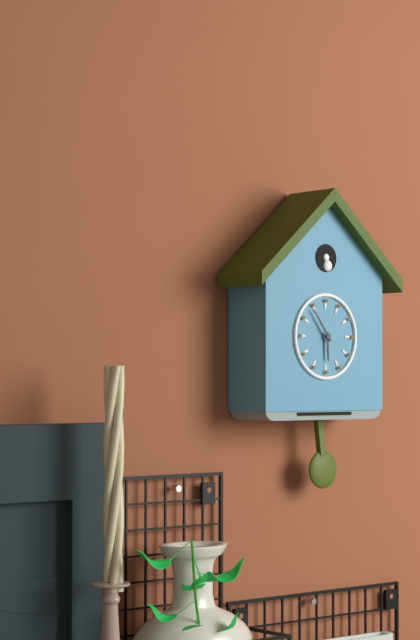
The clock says **5:54**
